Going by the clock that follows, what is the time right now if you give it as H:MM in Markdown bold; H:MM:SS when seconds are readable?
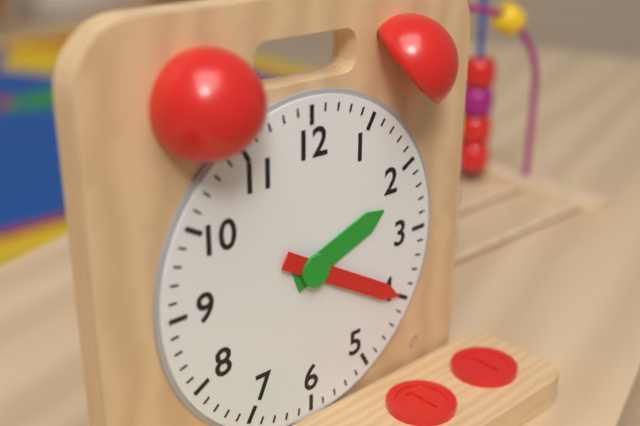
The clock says **2:20**
